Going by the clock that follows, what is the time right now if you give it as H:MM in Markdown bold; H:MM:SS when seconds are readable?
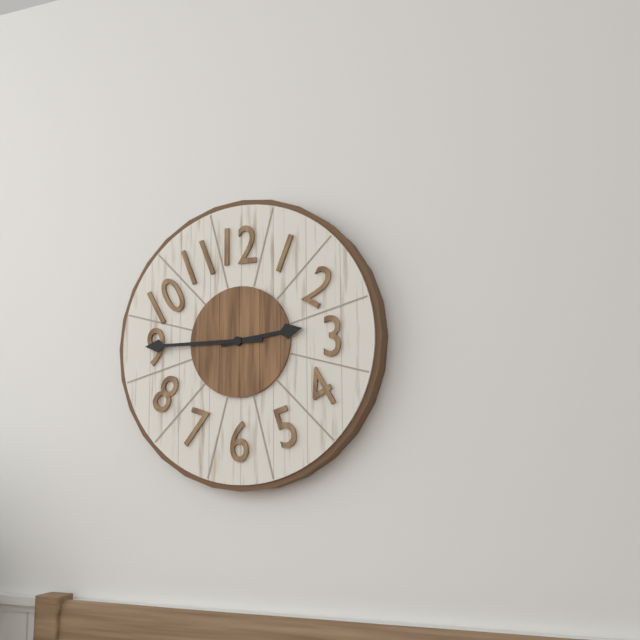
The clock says **2:45**
